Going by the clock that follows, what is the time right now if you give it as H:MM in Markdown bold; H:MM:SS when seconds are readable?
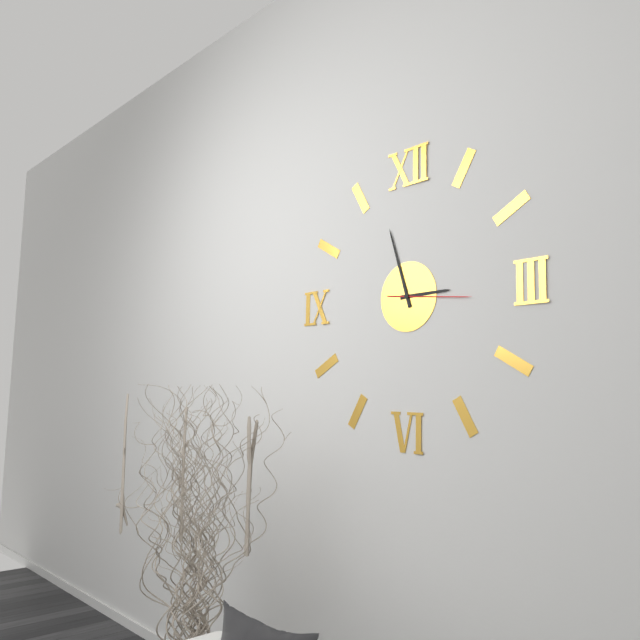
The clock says **2:57:16**
